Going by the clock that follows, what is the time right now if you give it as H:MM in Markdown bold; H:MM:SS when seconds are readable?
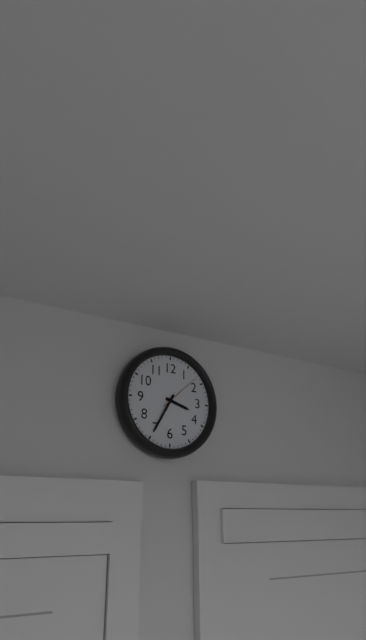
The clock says **3:35**
